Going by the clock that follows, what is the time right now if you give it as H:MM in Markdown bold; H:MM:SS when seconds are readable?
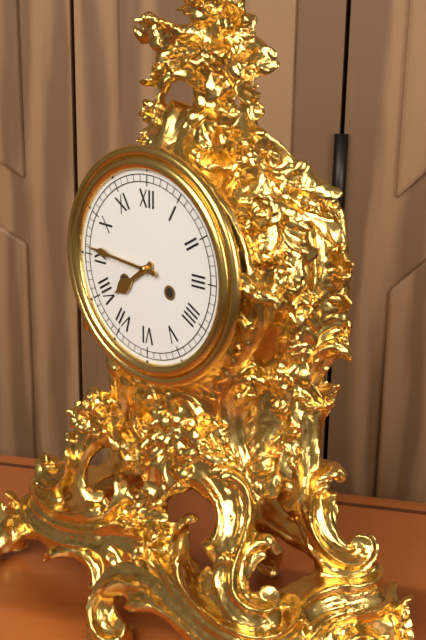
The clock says **7:46**
